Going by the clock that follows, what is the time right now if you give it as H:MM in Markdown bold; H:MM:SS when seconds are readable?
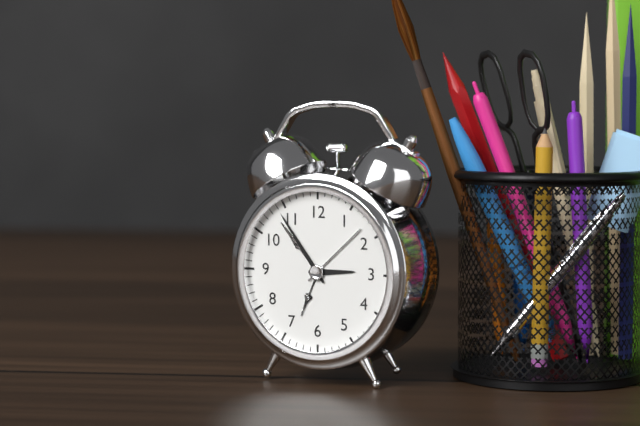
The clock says **2:54**
